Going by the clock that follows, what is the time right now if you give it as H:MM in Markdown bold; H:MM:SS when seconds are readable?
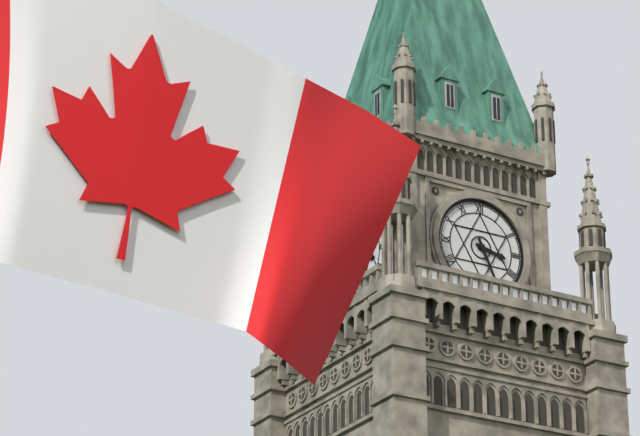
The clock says **3:26**
